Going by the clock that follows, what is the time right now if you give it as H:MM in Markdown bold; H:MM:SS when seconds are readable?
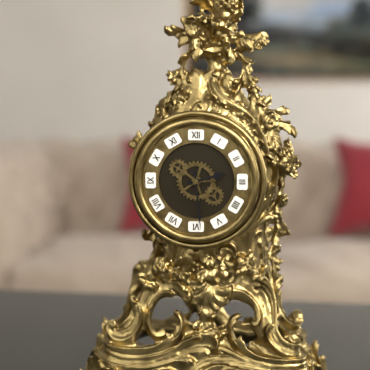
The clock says **2:29**
